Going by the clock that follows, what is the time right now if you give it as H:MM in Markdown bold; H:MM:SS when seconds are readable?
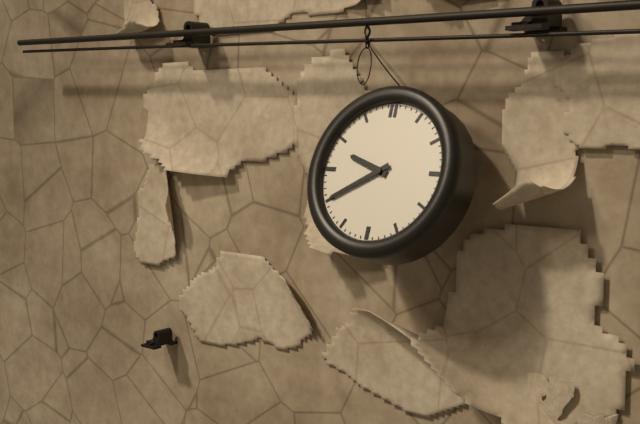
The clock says **9:40**
